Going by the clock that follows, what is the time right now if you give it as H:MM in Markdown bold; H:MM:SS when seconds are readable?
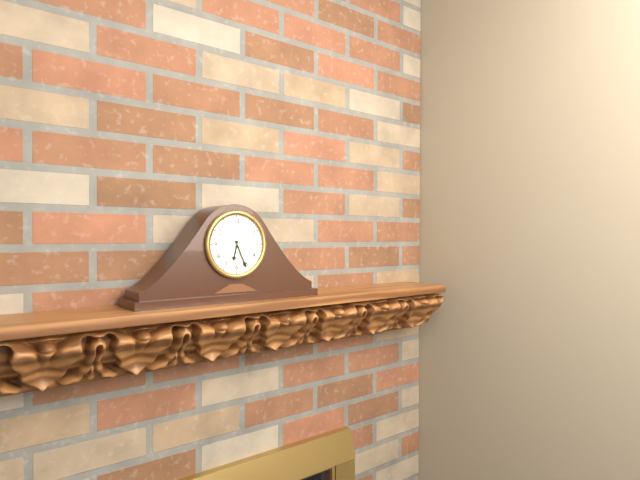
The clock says **6:26**
